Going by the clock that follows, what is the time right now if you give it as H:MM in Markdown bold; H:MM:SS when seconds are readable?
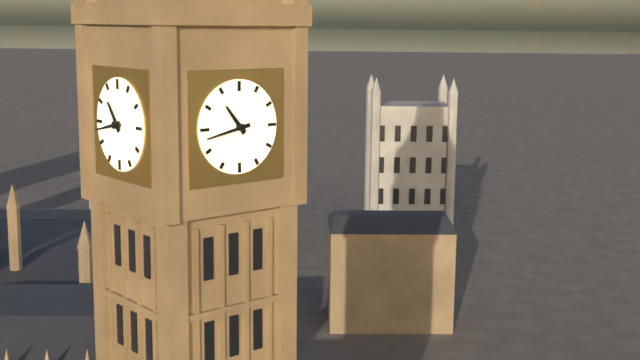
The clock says **10:43**
